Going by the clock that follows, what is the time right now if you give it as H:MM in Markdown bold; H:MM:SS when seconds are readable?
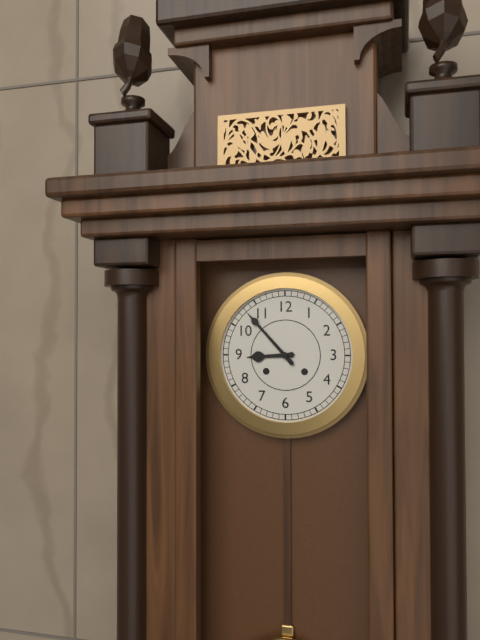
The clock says **8:53**
